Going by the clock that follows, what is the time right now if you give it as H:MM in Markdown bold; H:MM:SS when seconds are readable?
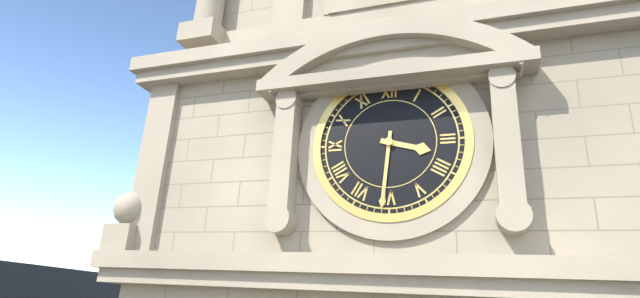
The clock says **3:31**
